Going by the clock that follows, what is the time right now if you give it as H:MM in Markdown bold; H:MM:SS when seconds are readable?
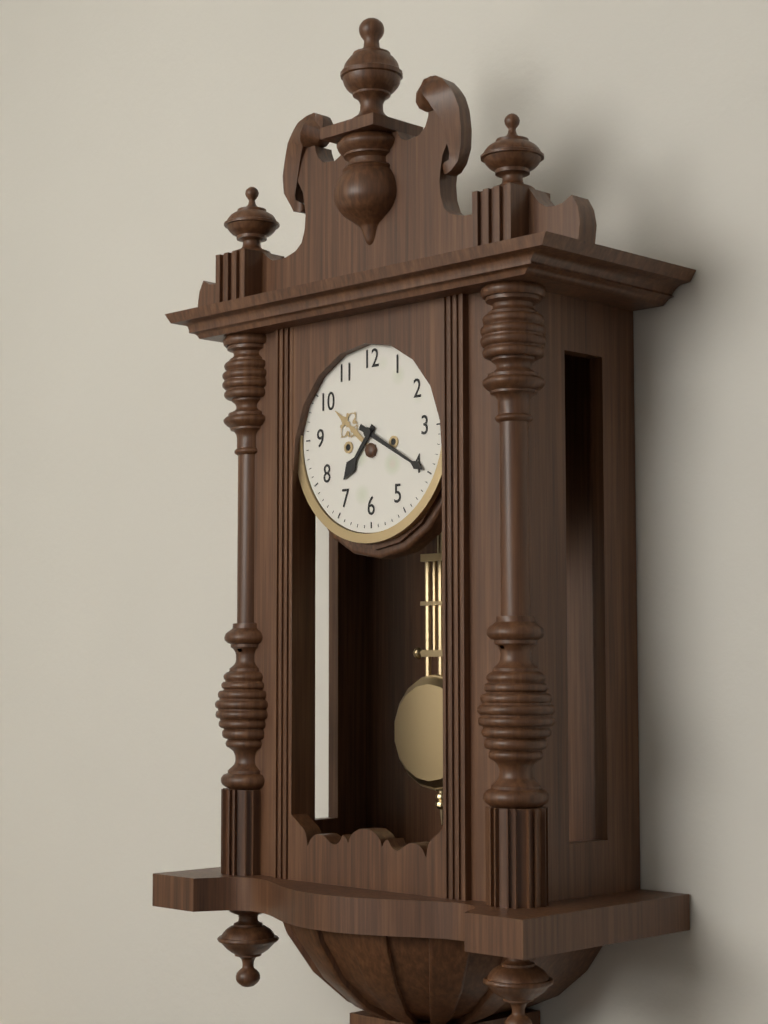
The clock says **7:20**
